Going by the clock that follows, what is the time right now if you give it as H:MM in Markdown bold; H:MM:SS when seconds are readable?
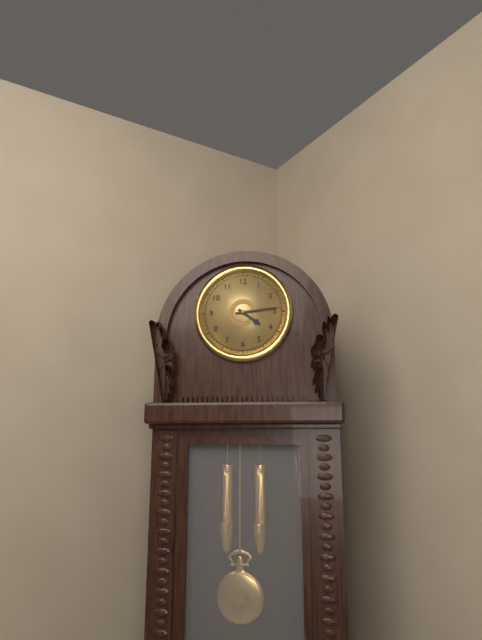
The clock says **4:14**
